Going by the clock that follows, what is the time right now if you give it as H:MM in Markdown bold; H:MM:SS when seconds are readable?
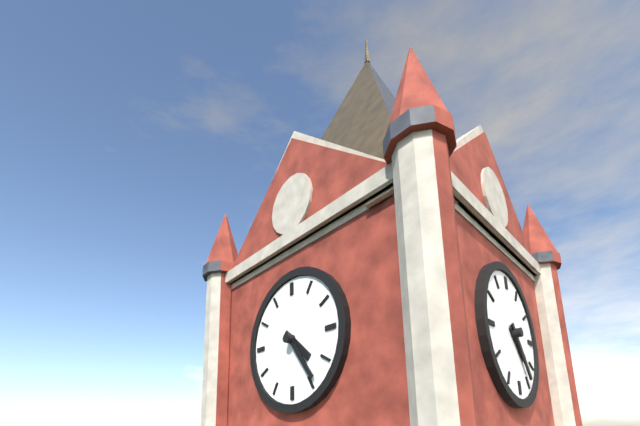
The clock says **4:24**
